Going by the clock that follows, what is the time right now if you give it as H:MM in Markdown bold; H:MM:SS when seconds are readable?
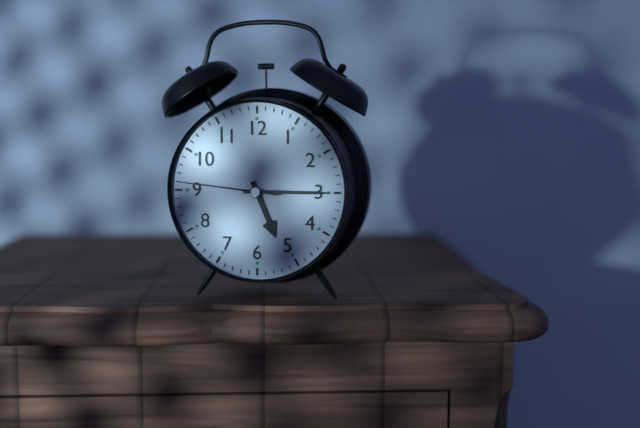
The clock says **5:15:46**
